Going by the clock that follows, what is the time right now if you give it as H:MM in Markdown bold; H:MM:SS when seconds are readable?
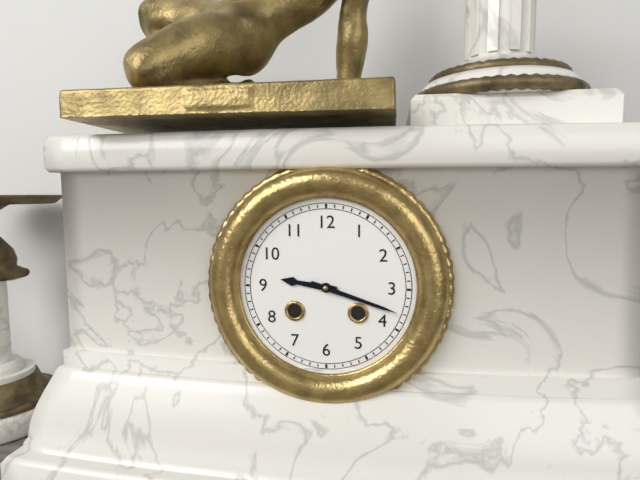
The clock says **9:18**
